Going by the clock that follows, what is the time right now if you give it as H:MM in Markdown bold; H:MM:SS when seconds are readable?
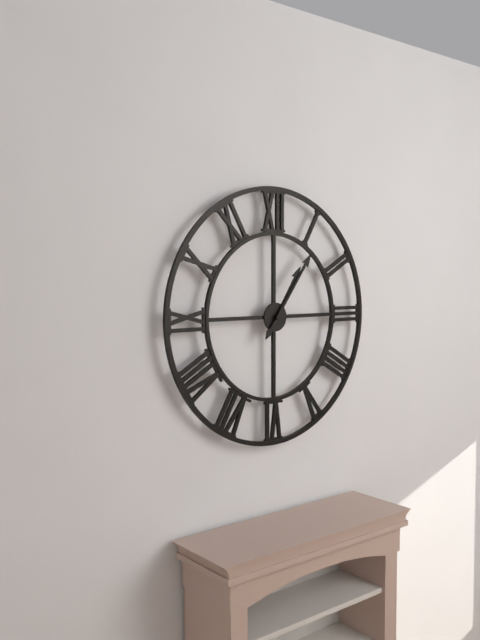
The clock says **1:06**
